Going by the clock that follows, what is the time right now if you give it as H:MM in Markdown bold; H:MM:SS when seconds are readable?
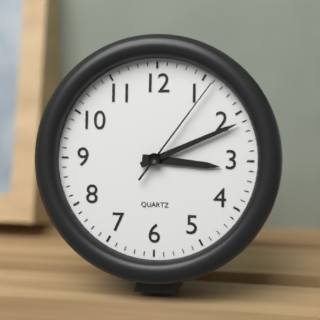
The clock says **3:11:06**
